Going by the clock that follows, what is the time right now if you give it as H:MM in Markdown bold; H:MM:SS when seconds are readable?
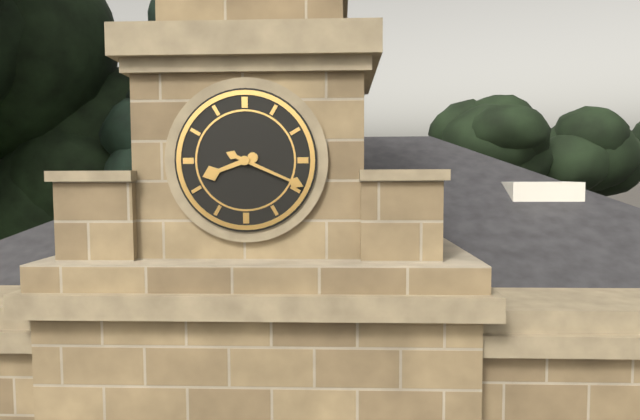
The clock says **8:19**
